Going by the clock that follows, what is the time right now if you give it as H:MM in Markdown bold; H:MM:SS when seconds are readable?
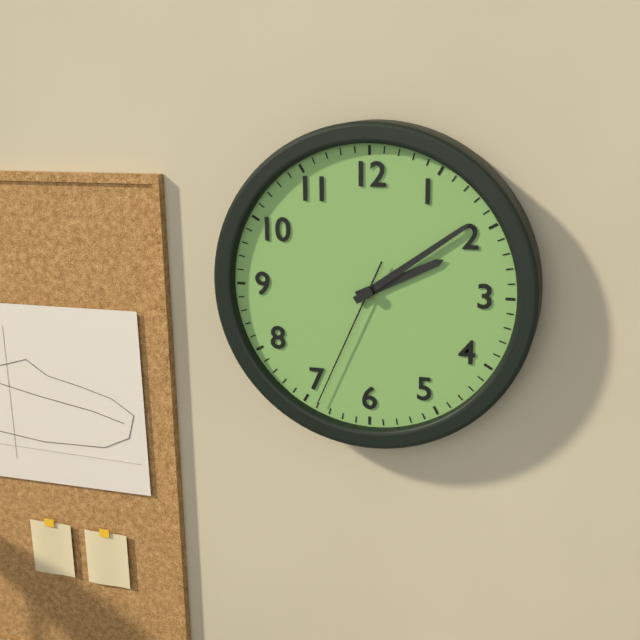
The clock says **2:09:34**
